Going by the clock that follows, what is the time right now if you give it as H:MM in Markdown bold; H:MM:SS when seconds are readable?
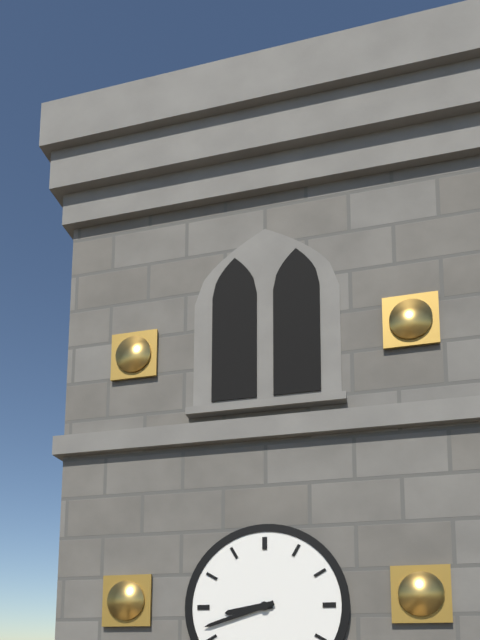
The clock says **8:42**
